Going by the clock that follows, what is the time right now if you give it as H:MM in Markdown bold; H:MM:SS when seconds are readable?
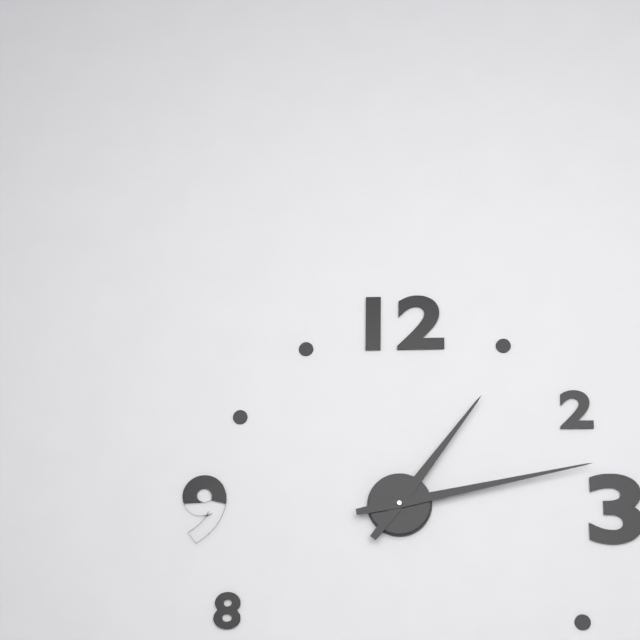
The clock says **1:13**
